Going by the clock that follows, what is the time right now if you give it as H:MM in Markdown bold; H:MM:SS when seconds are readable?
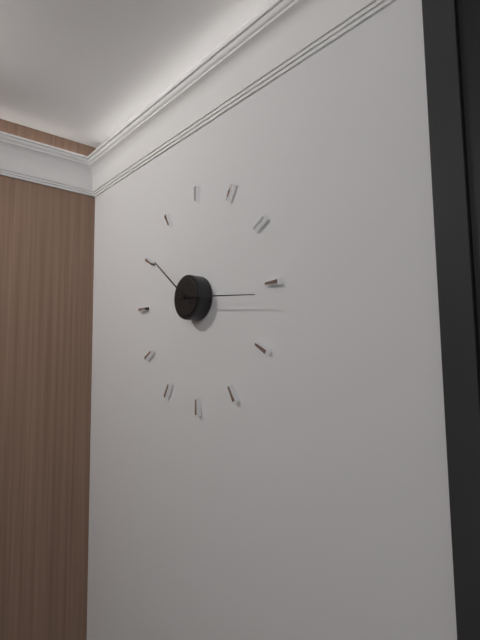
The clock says **10:16**
